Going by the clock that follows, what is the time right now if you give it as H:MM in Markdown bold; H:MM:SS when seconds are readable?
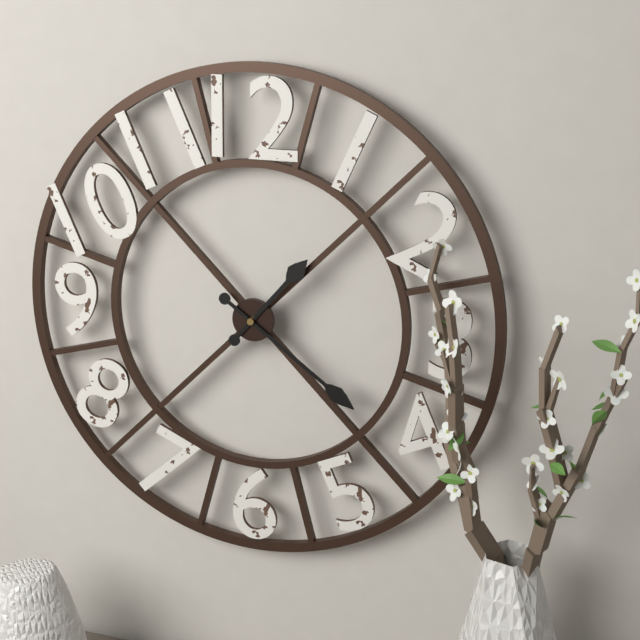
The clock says **1:21**
